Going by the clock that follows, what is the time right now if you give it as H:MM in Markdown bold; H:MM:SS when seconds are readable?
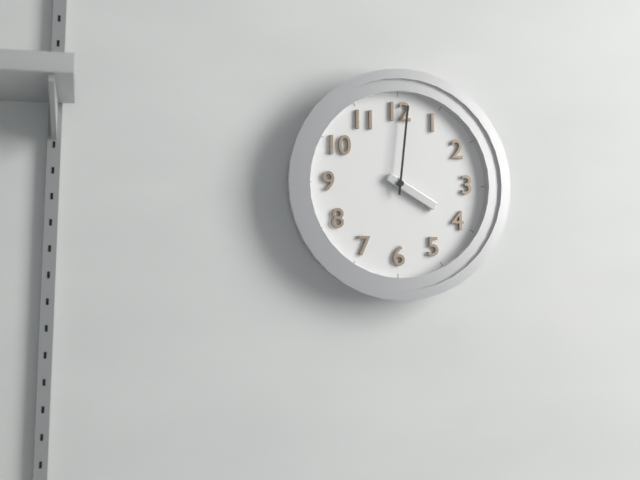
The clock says **4:01**
